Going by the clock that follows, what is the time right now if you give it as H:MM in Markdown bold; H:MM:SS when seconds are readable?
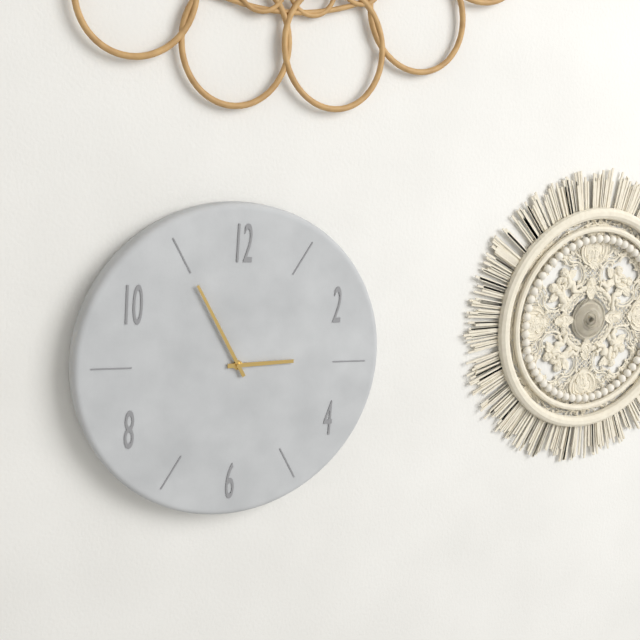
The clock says **2:55**
